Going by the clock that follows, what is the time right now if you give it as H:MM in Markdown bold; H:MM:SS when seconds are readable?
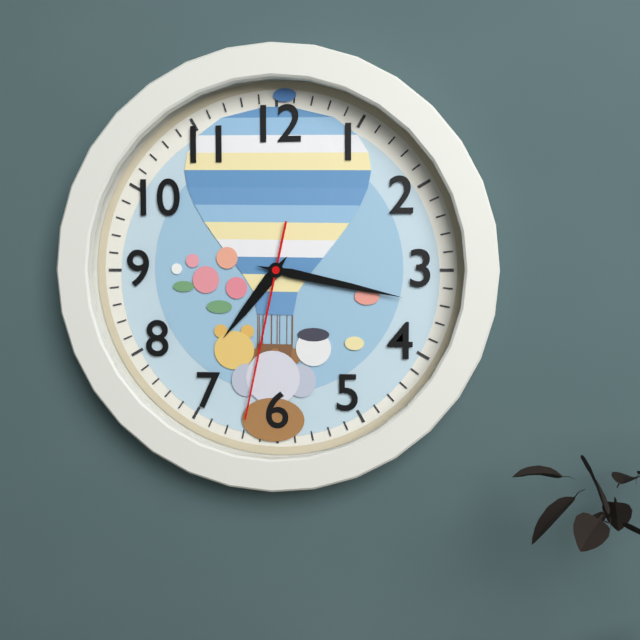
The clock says **7:17:32**
